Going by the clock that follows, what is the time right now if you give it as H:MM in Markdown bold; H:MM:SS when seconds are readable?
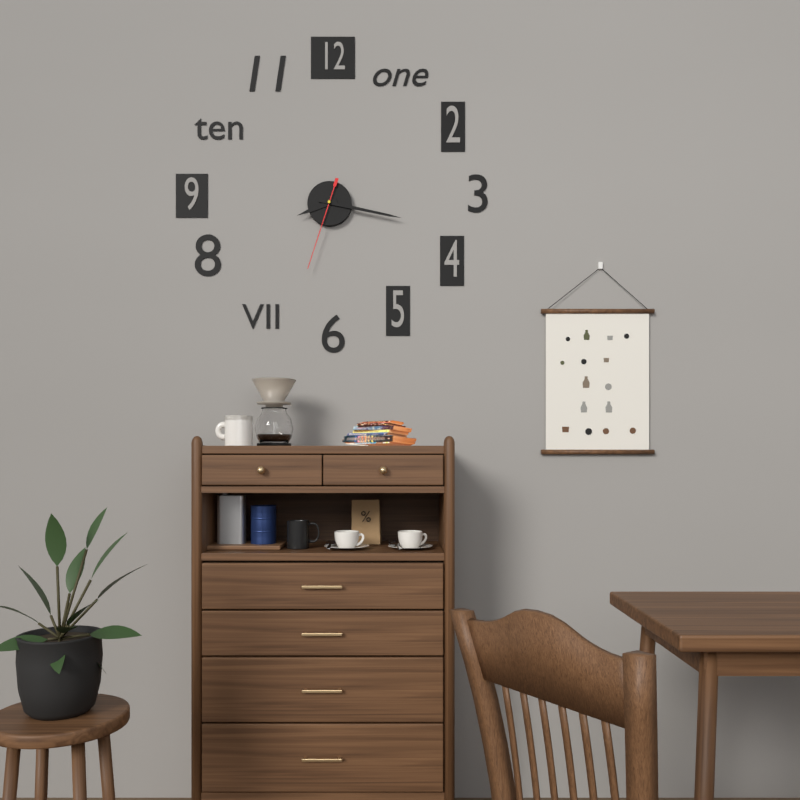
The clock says **8:17:33**
